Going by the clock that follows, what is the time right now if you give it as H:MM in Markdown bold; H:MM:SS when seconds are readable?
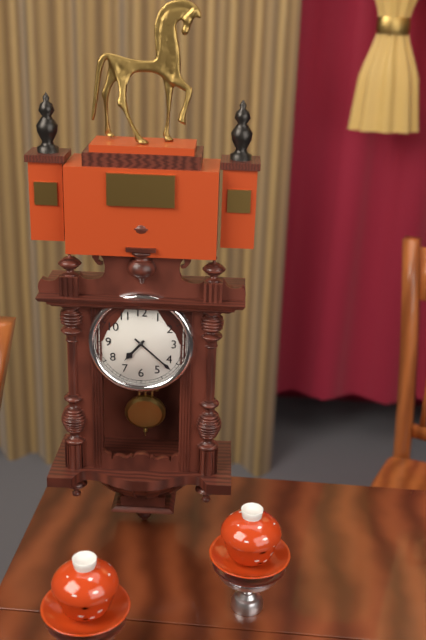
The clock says **7:22**
